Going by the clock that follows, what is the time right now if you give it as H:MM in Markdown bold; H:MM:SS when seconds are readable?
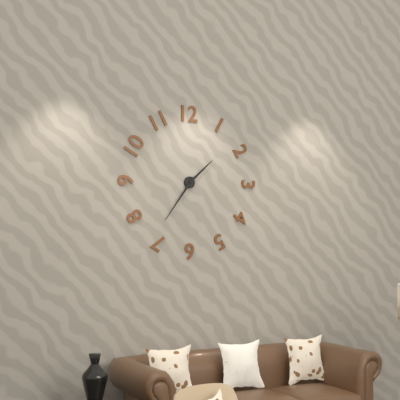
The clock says **1:36**
